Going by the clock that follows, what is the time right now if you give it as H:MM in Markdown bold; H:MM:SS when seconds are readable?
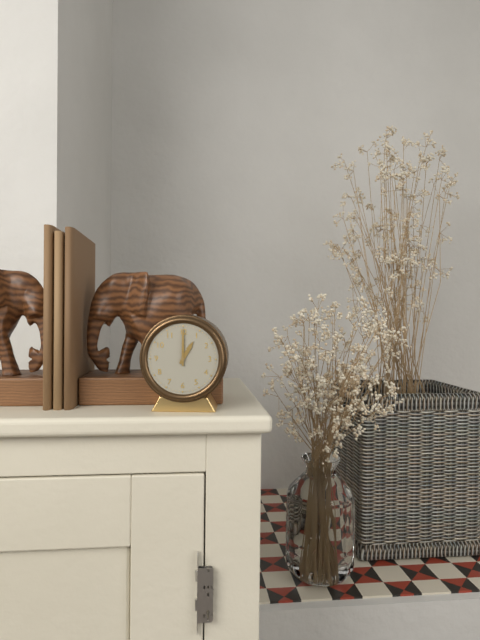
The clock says **1:00**
